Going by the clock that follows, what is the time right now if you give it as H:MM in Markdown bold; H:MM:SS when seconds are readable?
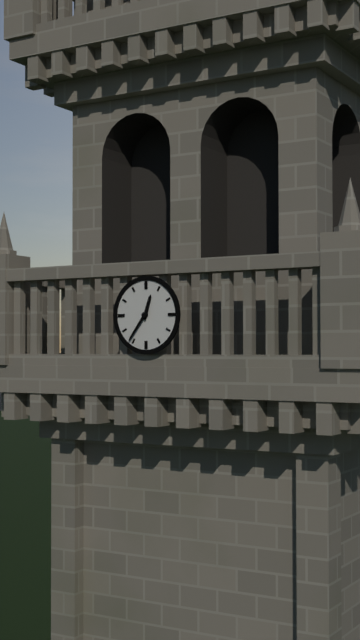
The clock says **12:36**
